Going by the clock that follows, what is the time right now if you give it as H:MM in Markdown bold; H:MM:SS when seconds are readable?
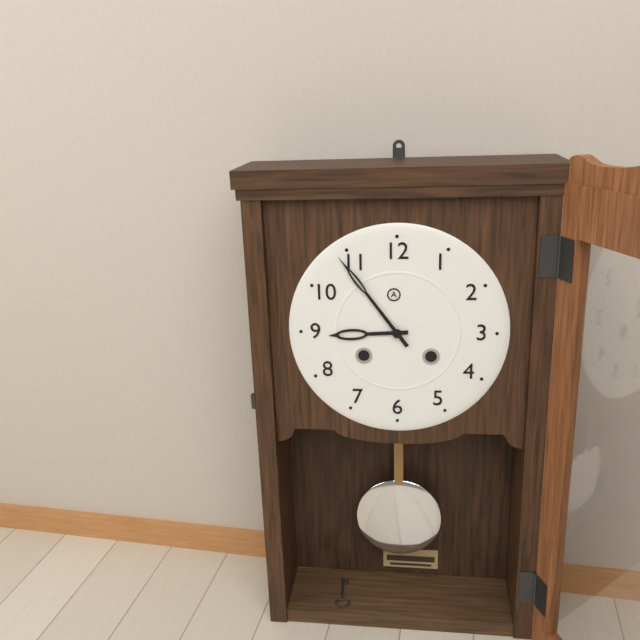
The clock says **8:54**
